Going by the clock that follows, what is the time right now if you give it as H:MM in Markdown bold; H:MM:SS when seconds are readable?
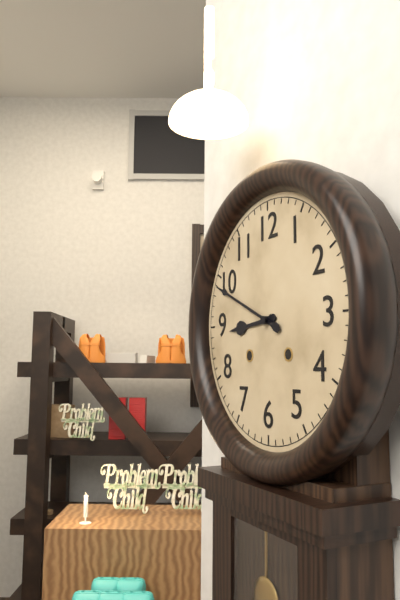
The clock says **8:49**
